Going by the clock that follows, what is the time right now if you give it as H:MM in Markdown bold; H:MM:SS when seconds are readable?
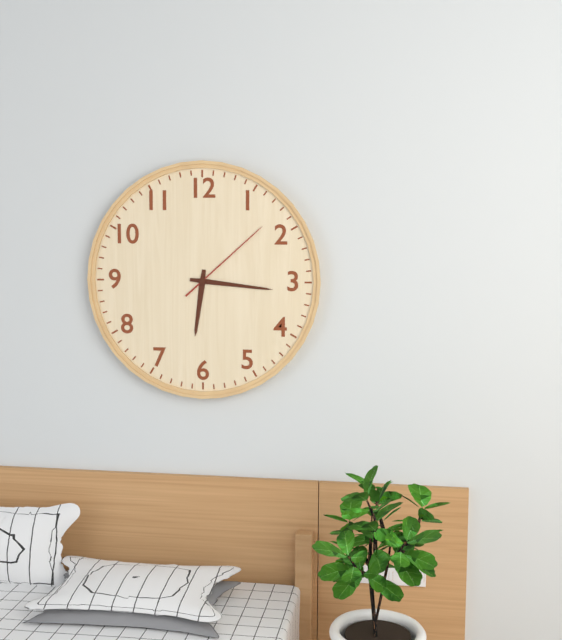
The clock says **6:16:08**
